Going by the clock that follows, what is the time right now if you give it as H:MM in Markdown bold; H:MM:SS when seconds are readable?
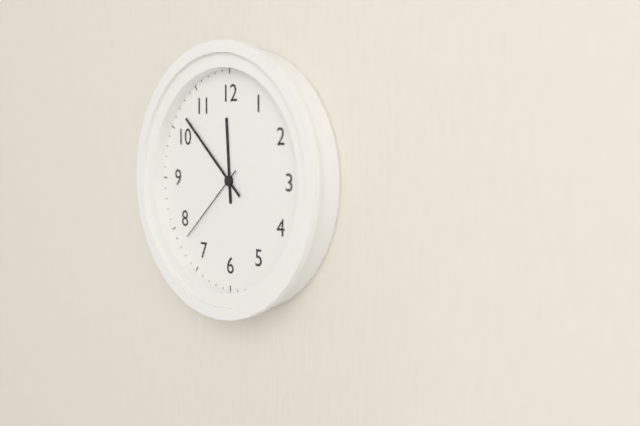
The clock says **11:52:38**
